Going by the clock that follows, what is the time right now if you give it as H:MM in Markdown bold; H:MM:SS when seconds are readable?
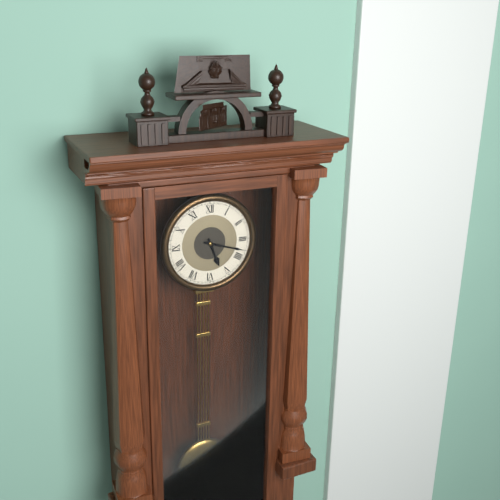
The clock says **5:18**
